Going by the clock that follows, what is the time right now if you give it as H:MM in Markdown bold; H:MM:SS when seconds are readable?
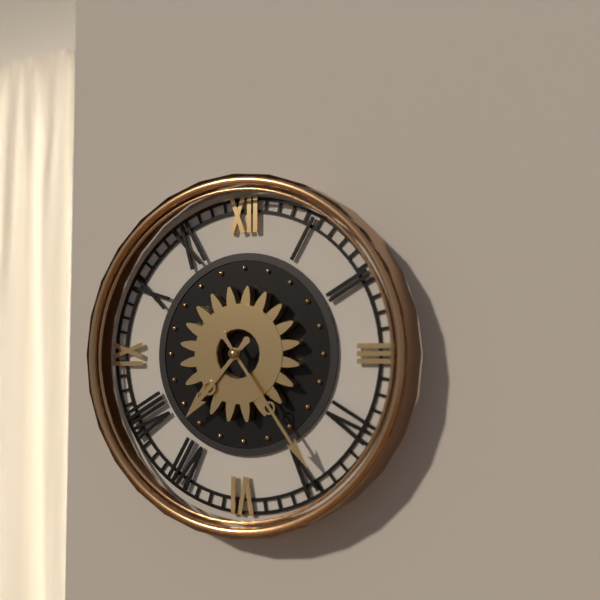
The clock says **7:24**
